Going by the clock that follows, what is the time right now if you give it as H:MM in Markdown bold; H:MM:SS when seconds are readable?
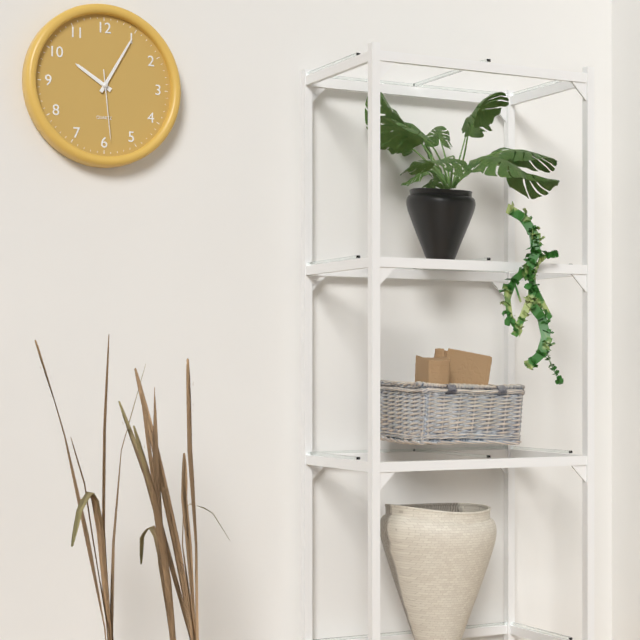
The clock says **10:05:29**
